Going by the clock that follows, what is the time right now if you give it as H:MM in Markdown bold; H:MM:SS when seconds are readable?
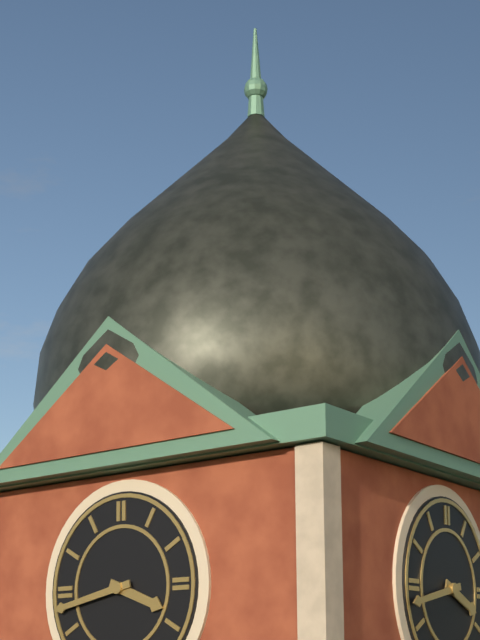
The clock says **3:43**
